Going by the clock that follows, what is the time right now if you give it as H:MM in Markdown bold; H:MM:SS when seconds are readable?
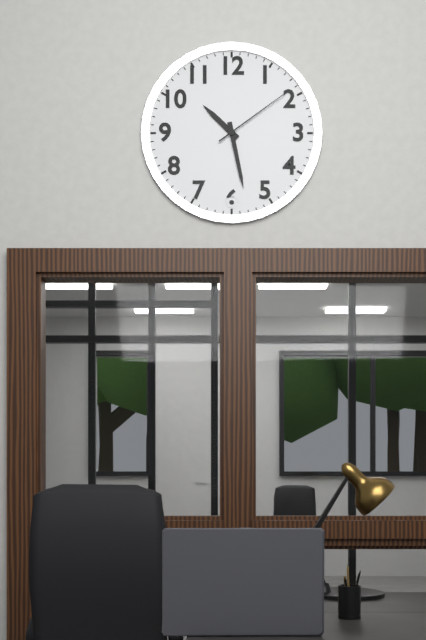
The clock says **10:28:09**
